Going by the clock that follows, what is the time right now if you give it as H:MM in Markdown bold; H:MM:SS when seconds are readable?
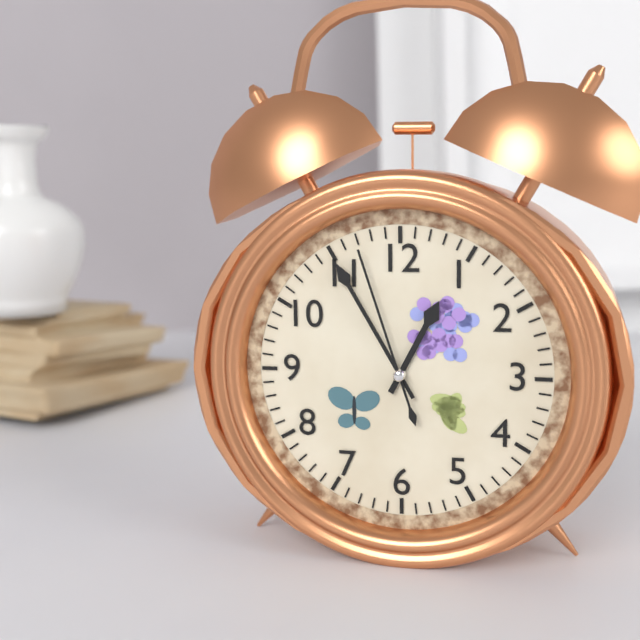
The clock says **12:55:57**
